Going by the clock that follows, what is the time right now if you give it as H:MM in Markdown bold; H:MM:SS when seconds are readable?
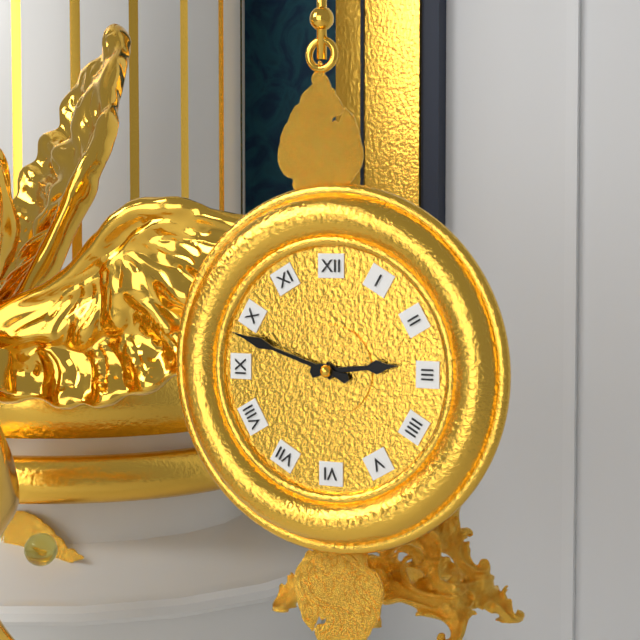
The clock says **2:48**
